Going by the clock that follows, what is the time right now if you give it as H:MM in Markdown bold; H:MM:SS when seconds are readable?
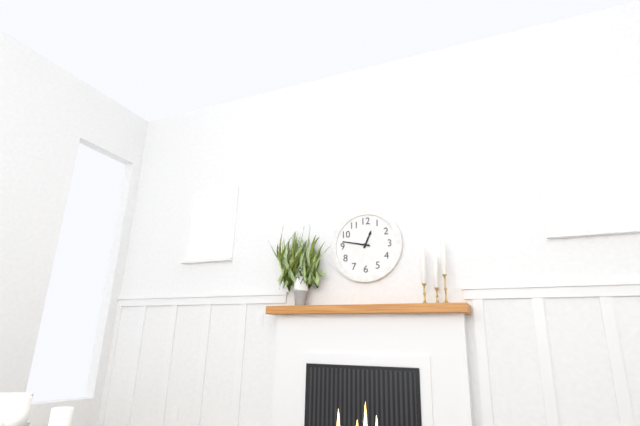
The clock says **12:47**
